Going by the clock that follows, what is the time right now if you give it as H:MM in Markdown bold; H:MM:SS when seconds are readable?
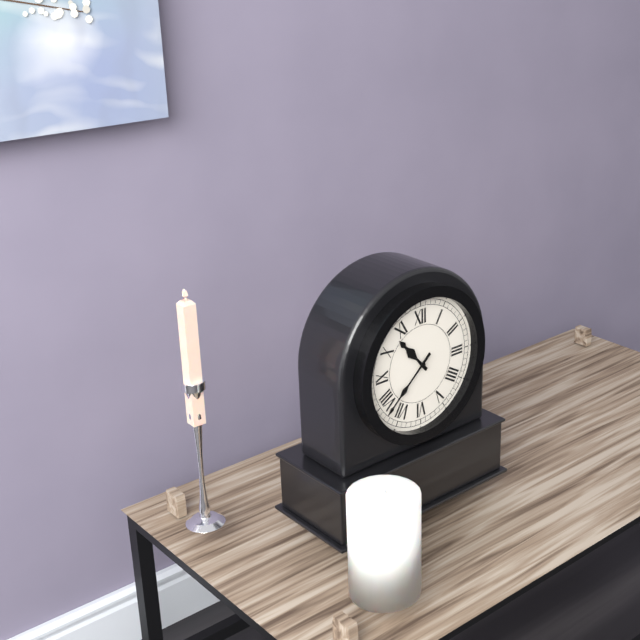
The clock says **10:38**
